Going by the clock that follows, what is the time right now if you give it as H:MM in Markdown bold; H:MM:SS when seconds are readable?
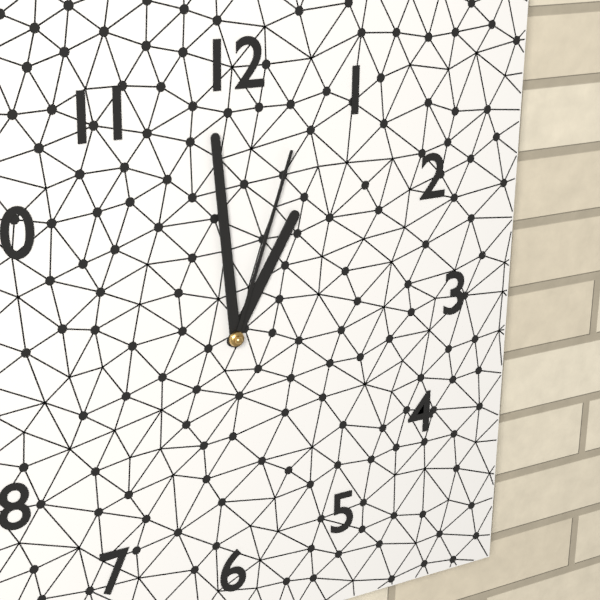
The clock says **12:59:03**
